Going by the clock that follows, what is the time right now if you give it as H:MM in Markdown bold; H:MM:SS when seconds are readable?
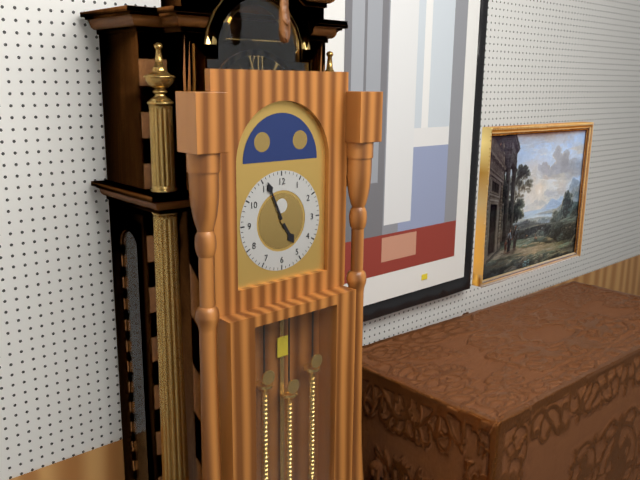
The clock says **4:56**
